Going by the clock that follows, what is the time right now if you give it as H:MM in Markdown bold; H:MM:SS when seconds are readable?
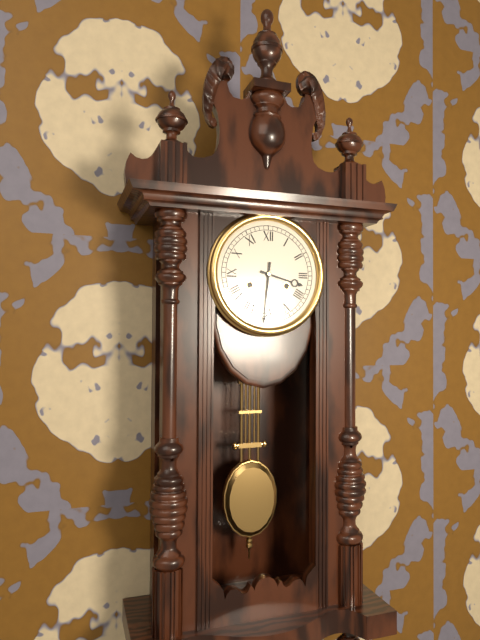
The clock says **3:31**
